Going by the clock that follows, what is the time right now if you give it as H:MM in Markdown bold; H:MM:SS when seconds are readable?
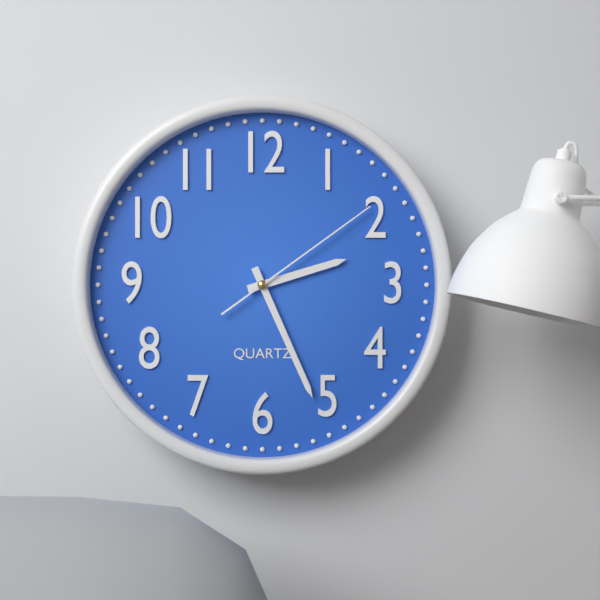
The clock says **2:26:09**
